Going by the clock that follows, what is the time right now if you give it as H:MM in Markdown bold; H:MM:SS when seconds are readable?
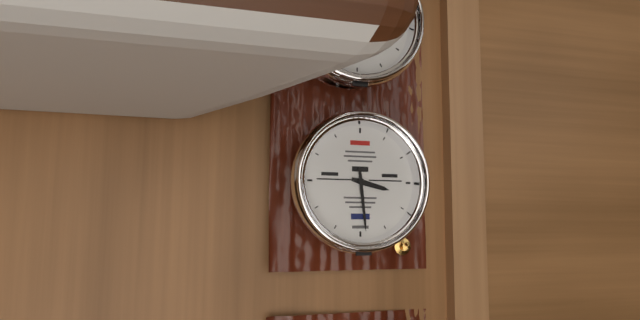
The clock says **3:29**
